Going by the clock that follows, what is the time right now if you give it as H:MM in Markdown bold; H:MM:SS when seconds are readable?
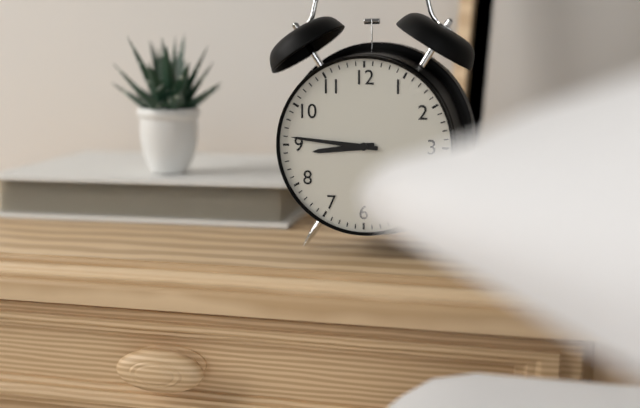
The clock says **8:46**
